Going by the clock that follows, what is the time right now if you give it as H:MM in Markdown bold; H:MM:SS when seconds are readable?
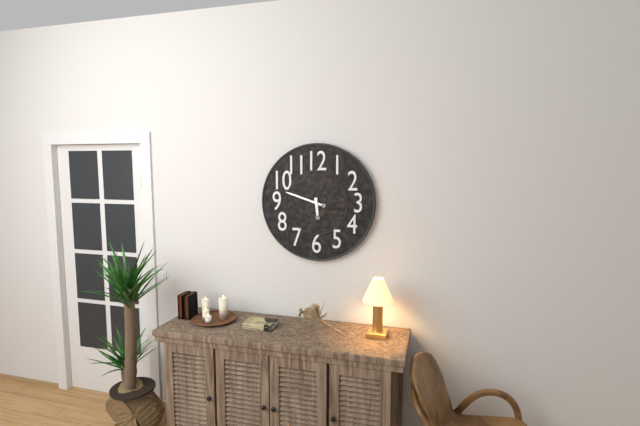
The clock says **5:48**
